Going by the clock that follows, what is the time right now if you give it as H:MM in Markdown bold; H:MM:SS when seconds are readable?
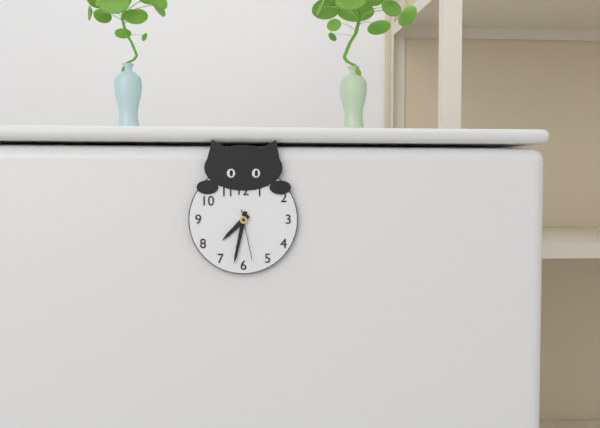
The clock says **7:32:28**
